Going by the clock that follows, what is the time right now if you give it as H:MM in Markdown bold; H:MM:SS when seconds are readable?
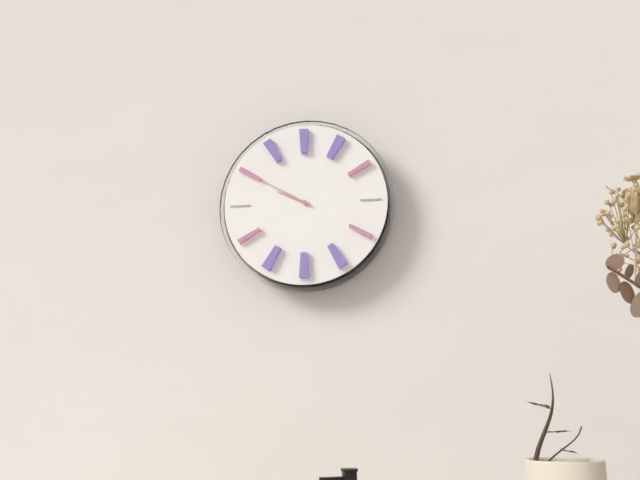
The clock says **9:50**
